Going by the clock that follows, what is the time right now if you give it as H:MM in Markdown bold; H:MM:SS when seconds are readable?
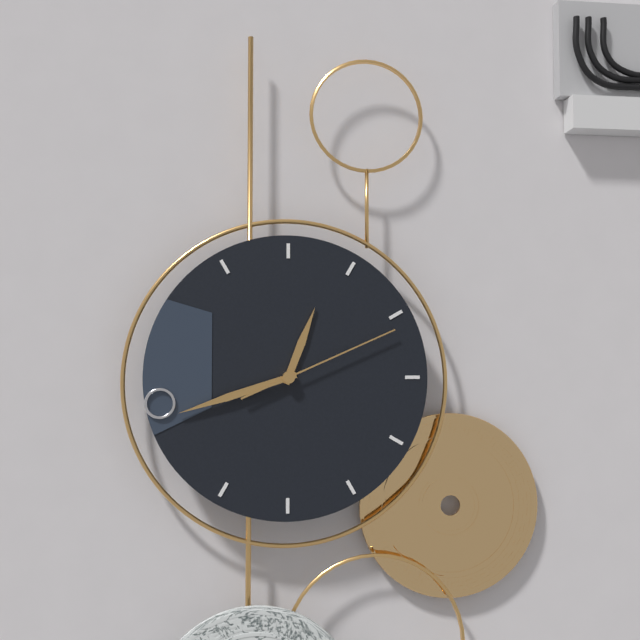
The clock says **12:42:11**
